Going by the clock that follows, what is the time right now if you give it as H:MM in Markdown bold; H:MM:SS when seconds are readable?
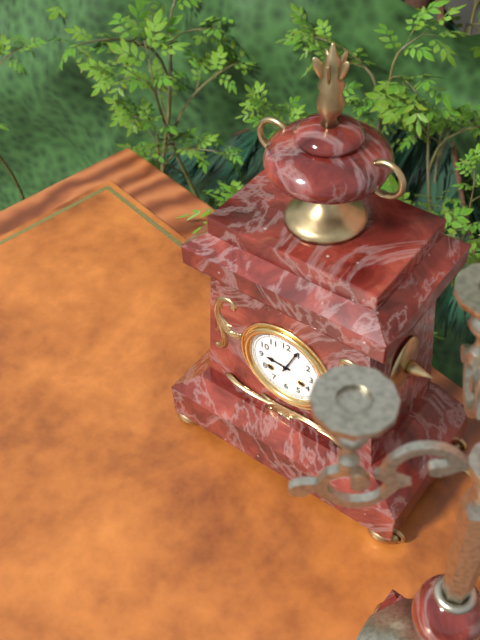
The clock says **9:04**
